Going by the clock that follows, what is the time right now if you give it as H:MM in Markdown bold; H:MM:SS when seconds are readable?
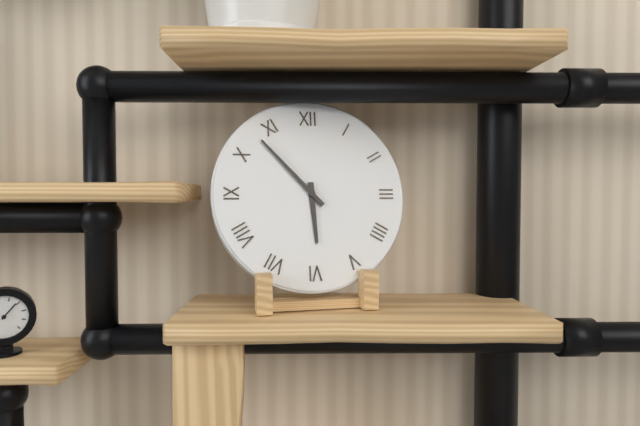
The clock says **5:53**
